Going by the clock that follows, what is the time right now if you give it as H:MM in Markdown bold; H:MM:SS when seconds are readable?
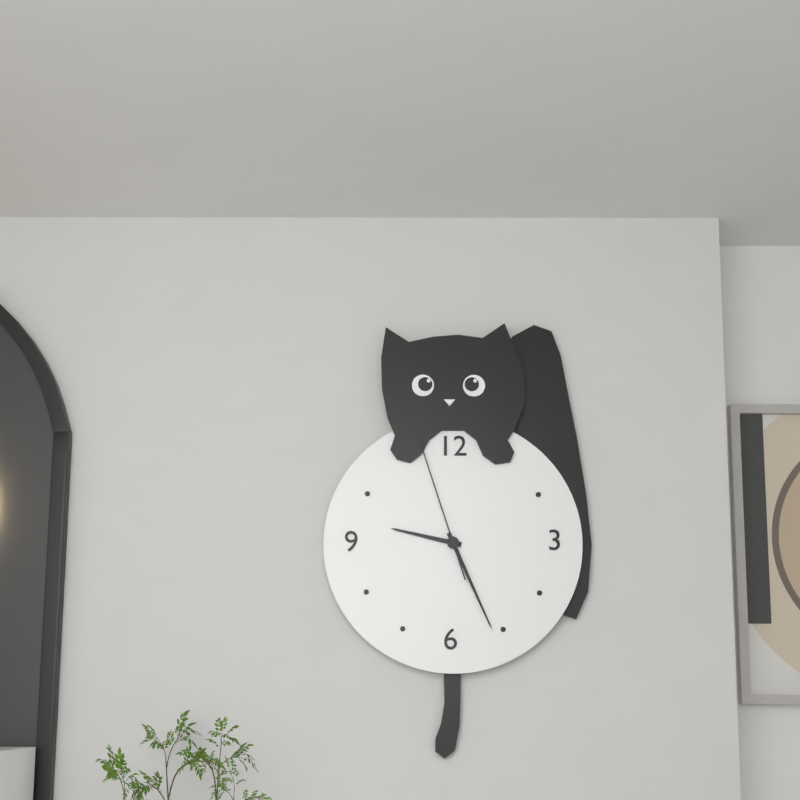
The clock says **9:26:57**
